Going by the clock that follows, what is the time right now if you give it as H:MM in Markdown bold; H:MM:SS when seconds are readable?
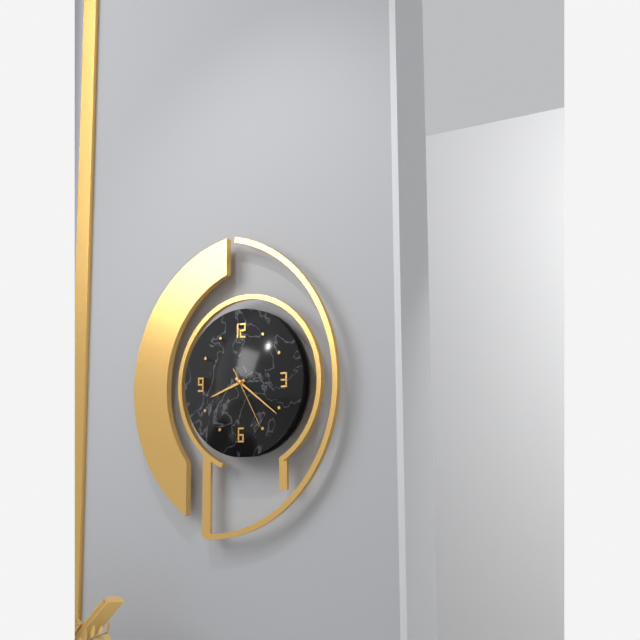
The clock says **8:21:25**
